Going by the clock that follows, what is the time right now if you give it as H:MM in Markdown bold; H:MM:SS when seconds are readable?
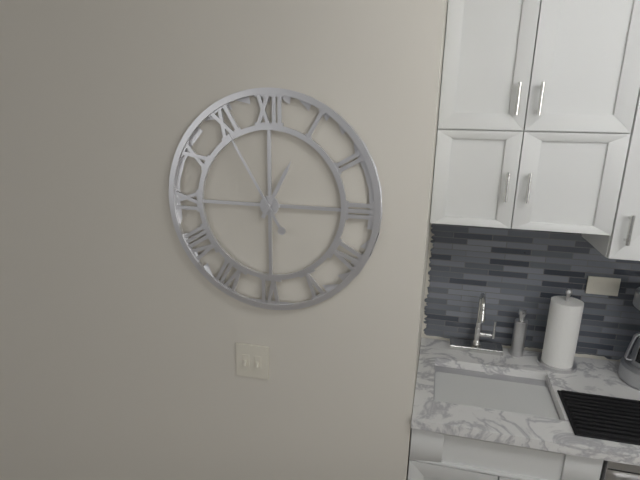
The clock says **12:55**
